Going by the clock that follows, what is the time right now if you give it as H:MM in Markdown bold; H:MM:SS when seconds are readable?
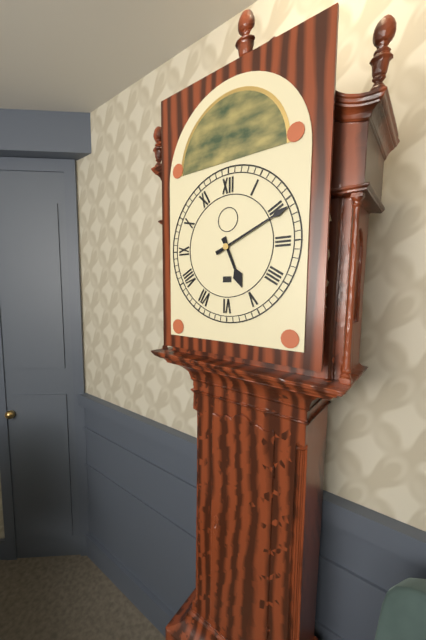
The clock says **5:11**
